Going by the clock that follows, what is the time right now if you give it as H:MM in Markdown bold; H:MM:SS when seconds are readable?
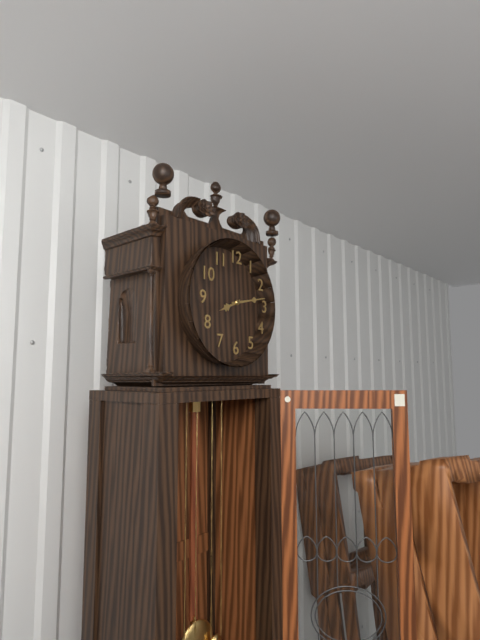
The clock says **8:13**
